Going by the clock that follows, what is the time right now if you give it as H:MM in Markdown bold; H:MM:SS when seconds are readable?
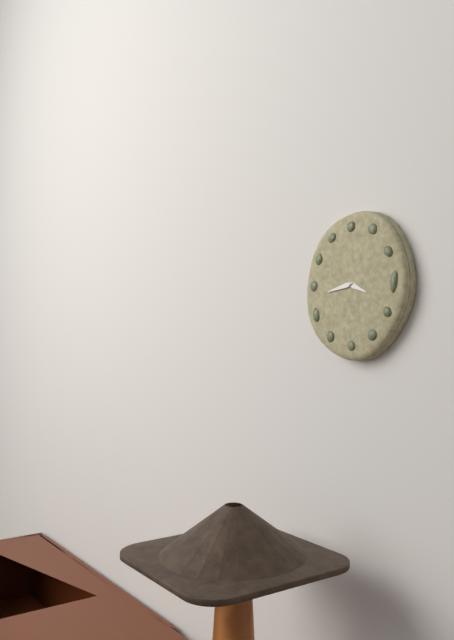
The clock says **3:43**
